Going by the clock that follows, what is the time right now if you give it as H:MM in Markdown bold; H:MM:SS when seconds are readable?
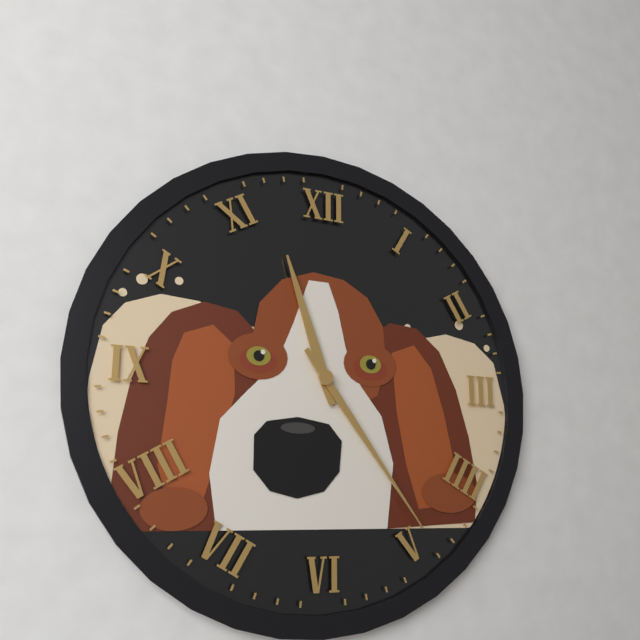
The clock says **11:24**
